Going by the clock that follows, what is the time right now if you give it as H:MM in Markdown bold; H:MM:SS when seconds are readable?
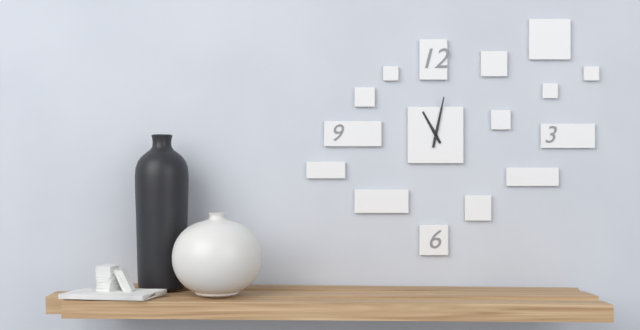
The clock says **11:02**
